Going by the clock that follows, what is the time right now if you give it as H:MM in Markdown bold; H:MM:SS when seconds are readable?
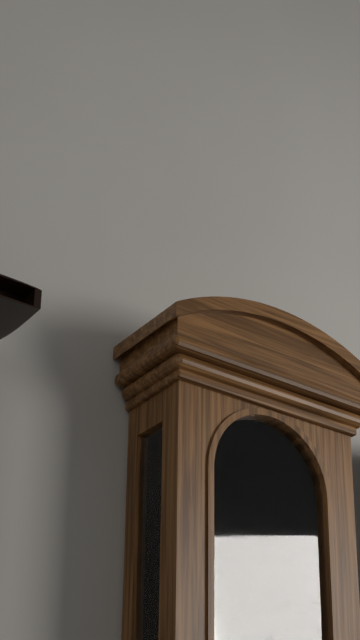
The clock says **8:10**
